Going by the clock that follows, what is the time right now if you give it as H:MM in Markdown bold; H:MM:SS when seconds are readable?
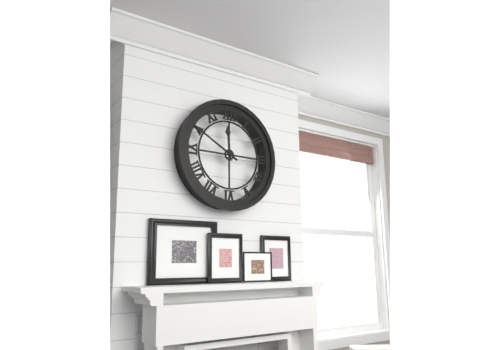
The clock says **11:50**
